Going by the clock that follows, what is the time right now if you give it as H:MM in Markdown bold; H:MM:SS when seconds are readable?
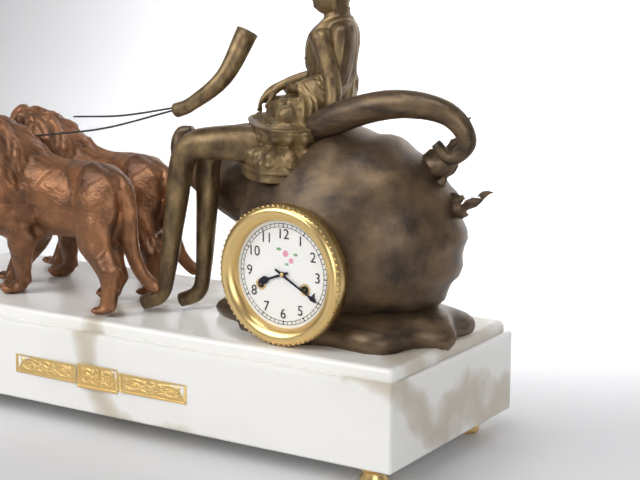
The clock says **8:20**
